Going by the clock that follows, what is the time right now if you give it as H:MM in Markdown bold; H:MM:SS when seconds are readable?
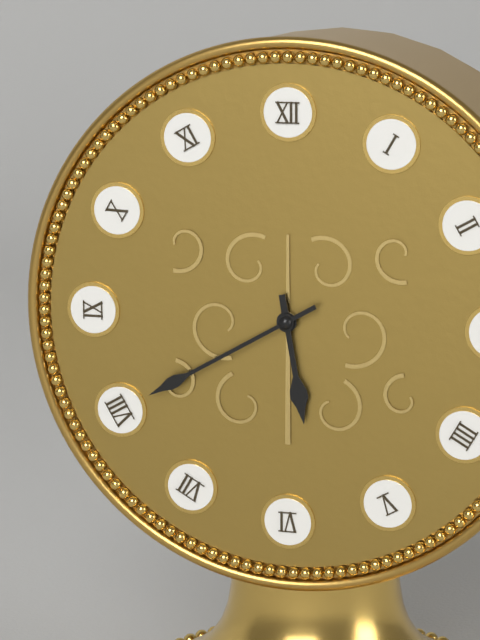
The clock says **5:40**
